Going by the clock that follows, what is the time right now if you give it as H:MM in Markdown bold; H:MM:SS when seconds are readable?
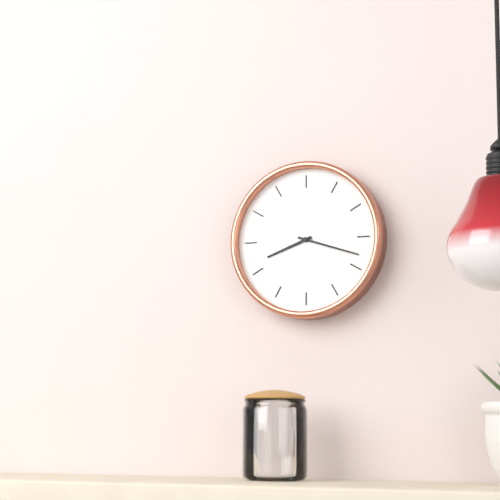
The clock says **8:18**
